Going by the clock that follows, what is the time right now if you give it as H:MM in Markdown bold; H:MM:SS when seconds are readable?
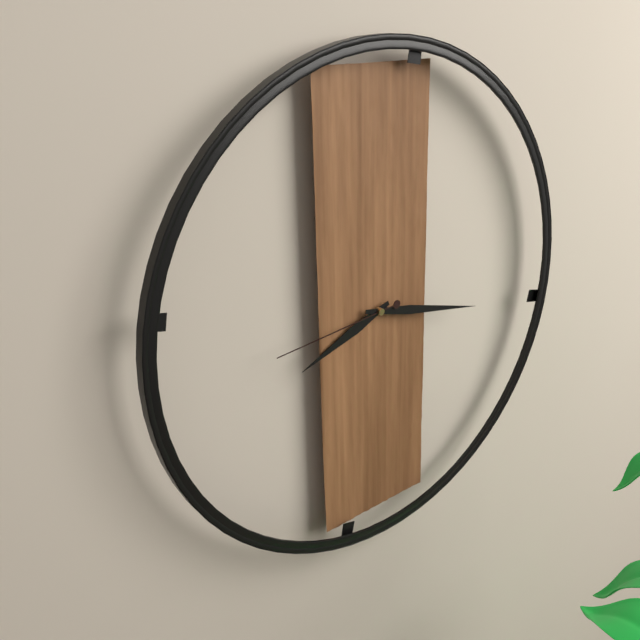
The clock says **8:17:44**
